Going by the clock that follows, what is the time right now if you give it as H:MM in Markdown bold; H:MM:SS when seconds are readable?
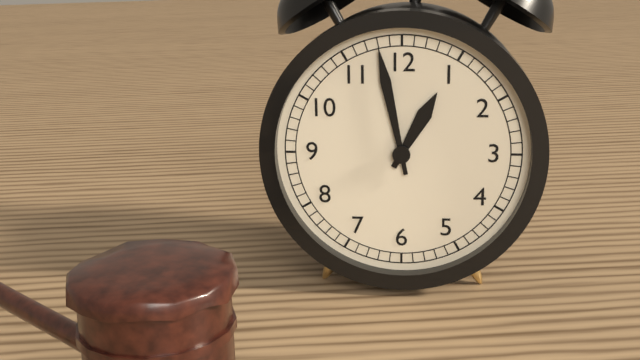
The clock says **12:58**
